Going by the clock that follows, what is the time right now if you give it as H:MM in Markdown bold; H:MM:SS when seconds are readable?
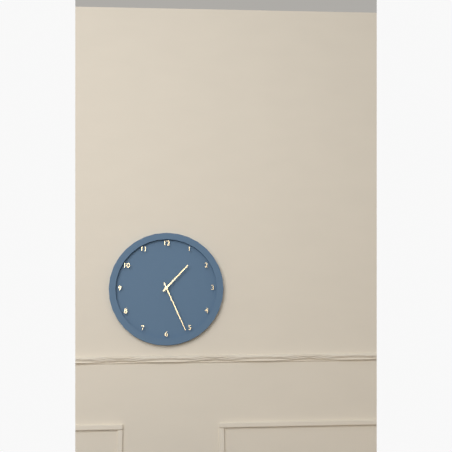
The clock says **1:26**
